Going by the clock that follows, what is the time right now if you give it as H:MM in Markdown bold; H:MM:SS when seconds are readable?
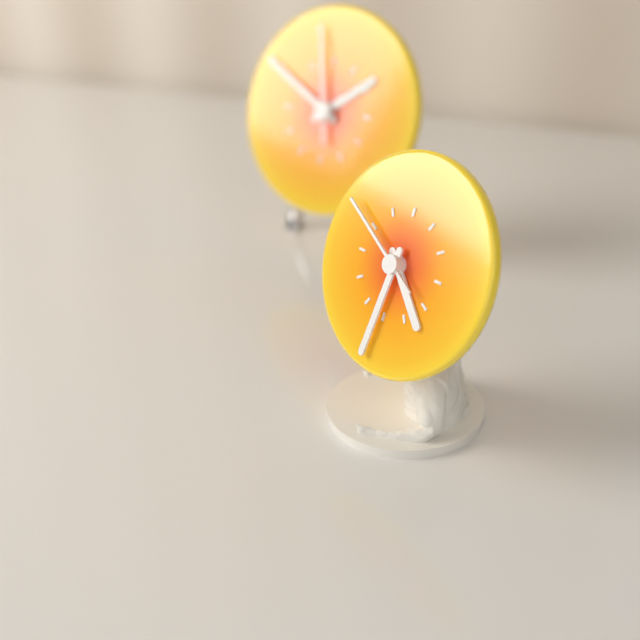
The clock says **4:31:50**
